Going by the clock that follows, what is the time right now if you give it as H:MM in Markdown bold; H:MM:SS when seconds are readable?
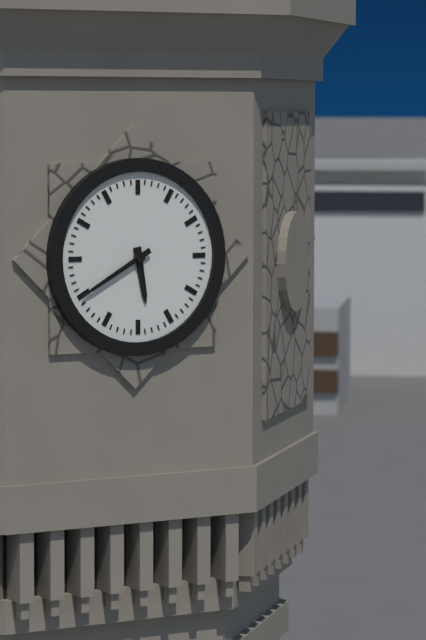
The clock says **5:40**
